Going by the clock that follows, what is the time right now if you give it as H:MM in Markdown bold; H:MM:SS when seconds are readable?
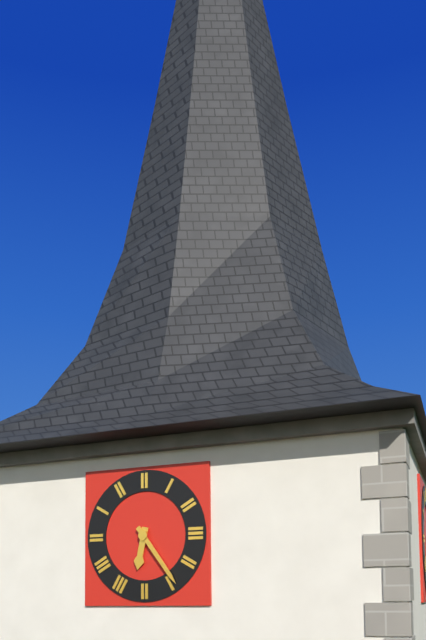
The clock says **6:24**
